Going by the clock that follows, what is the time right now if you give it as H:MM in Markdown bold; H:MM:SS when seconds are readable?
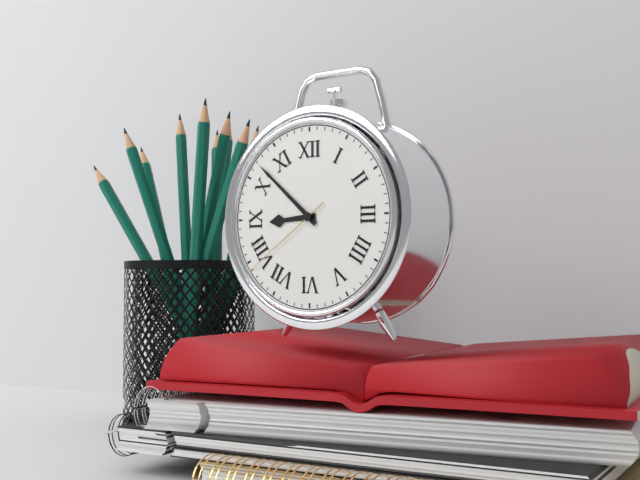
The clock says **8:52:39**
